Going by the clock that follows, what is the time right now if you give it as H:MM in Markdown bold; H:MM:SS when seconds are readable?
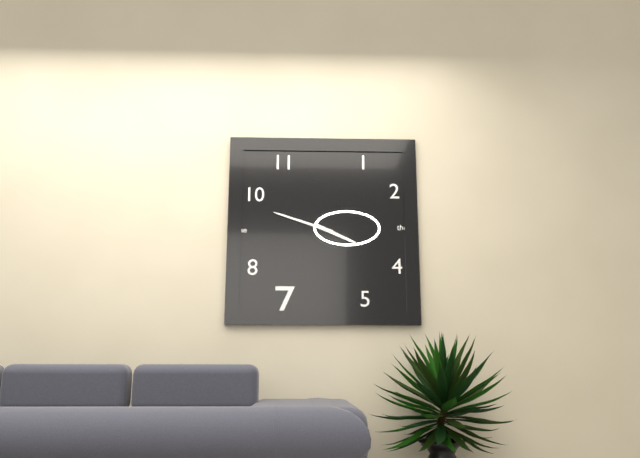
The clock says **3:48**
